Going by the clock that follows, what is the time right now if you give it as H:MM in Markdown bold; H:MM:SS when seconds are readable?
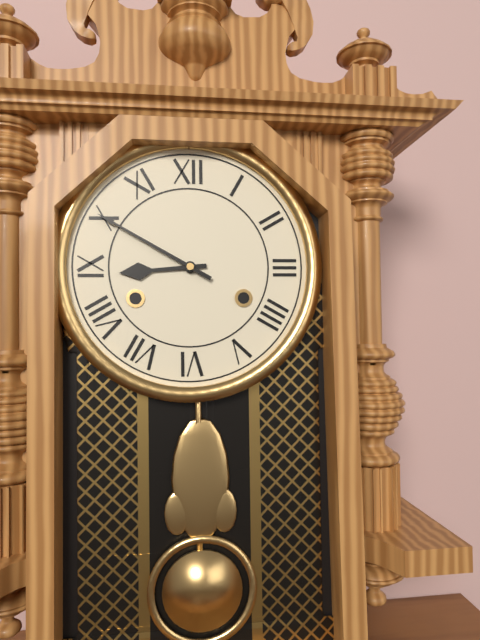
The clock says **8:50**
